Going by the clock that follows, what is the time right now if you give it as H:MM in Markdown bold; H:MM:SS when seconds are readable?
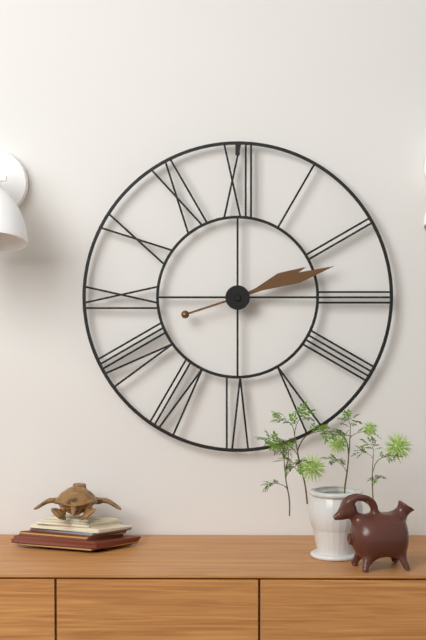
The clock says **2:12**
